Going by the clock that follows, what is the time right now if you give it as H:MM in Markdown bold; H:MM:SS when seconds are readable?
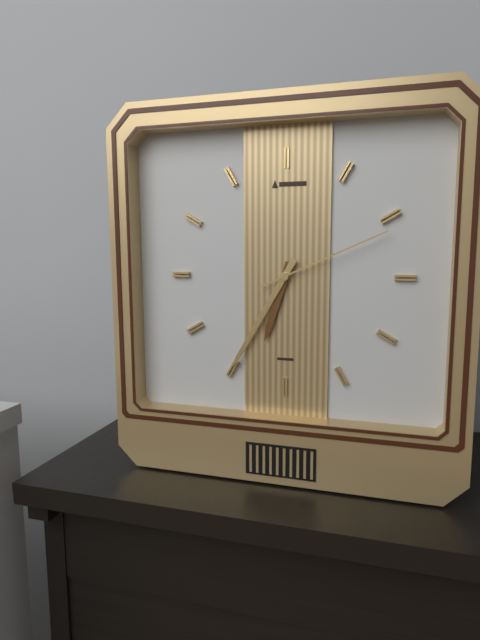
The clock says **6:35:11**
